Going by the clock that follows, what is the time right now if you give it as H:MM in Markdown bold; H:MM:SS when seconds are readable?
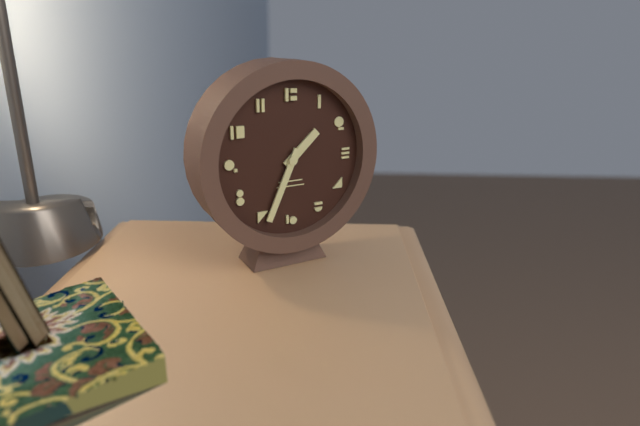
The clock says **1:34**
